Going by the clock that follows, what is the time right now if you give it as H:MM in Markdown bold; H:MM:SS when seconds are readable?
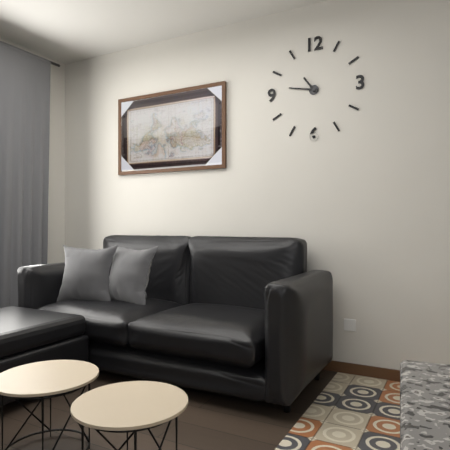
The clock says **10:47**
